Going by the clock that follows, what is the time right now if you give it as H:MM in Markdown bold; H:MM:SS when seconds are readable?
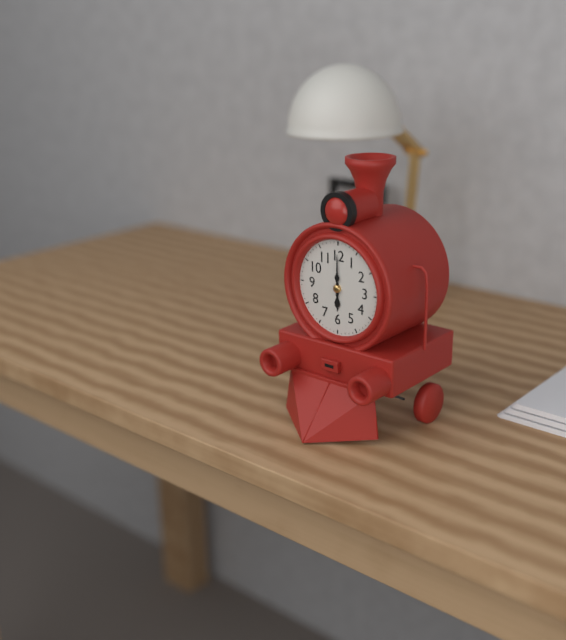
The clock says **6:00**
